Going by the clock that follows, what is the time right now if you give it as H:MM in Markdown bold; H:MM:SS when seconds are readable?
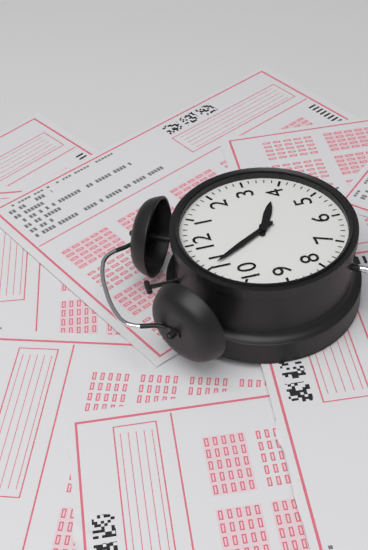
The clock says **3:55**
